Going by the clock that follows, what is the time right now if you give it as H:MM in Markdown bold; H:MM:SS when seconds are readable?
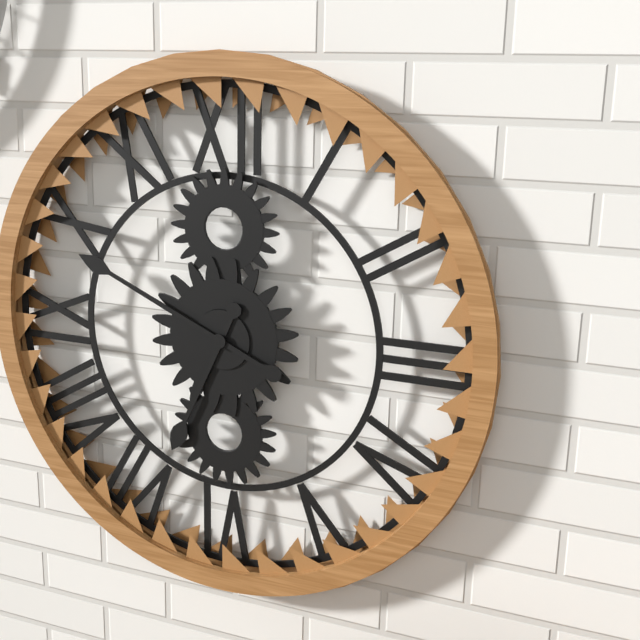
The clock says **6:49**
